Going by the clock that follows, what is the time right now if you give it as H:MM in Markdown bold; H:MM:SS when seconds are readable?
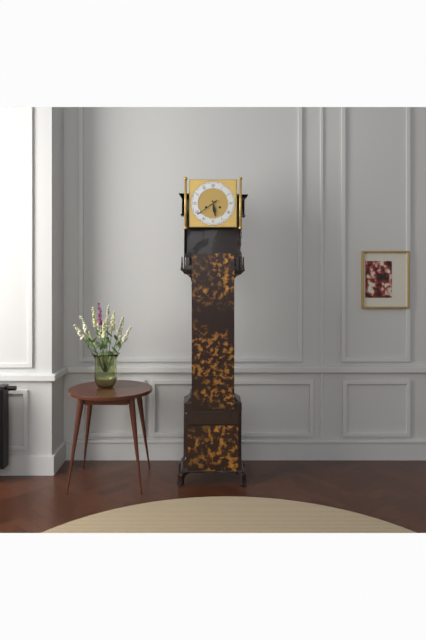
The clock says **5:39**
